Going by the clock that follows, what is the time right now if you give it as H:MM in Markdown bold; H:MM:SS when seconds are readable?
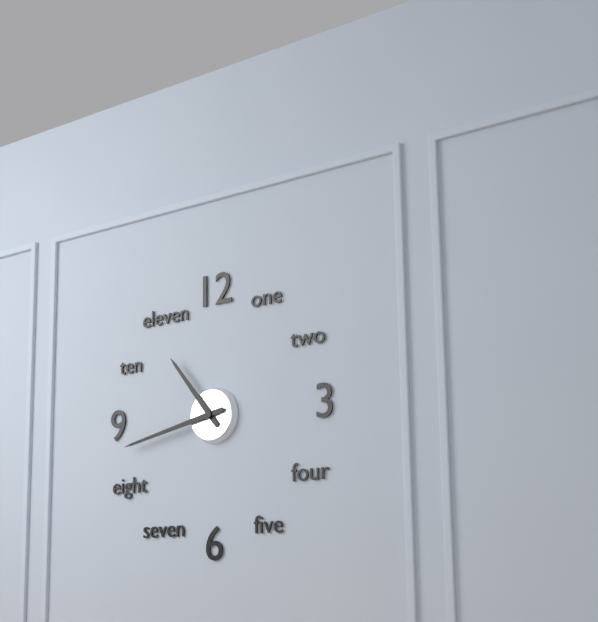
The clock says **10:43**
